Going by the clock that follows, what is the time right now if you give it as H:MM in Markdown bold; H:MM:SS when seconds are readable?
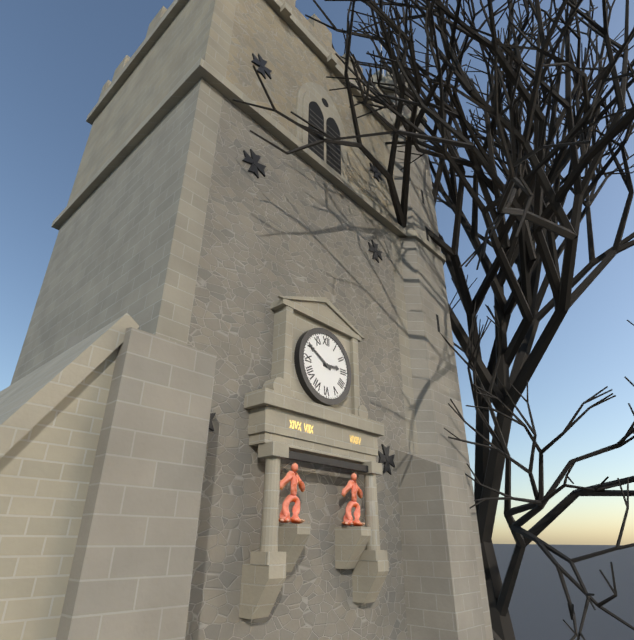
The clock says **2:50**
